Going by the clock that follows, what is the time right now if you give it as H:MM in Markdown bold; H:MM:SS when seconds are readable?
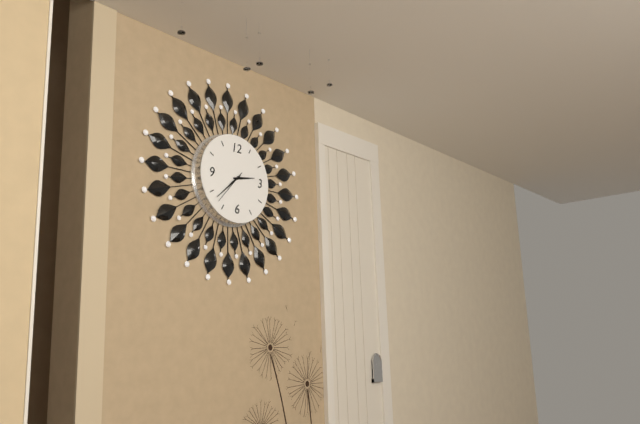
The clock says **2:38**
